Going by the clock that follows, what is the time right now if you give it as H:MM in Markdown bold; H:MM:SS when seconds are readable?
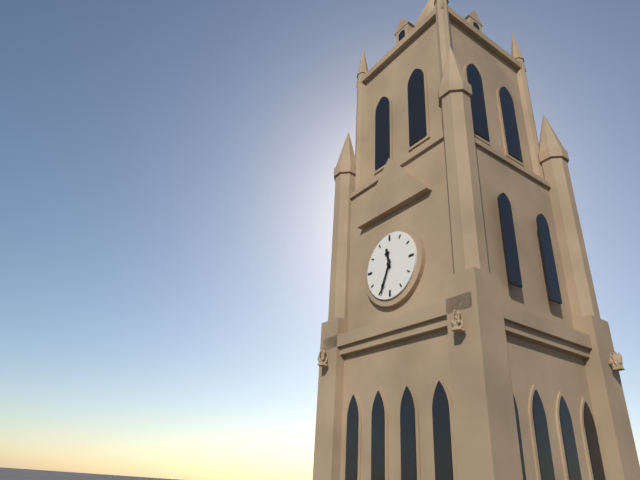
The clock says **11:34**
